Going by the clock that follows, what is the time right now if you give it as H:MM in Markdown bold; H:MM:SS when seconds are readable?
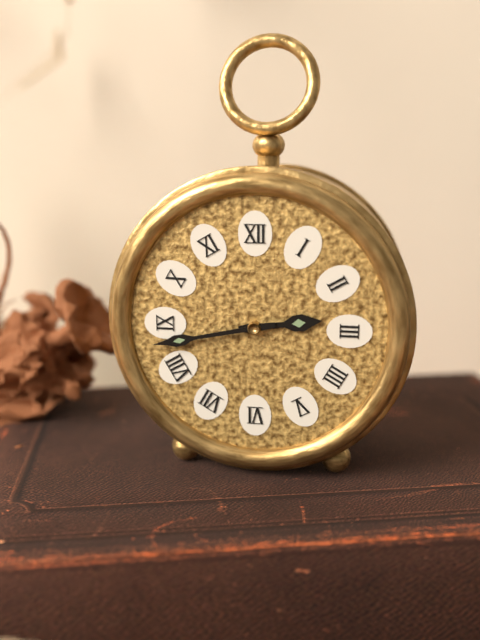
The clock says **2:43**
